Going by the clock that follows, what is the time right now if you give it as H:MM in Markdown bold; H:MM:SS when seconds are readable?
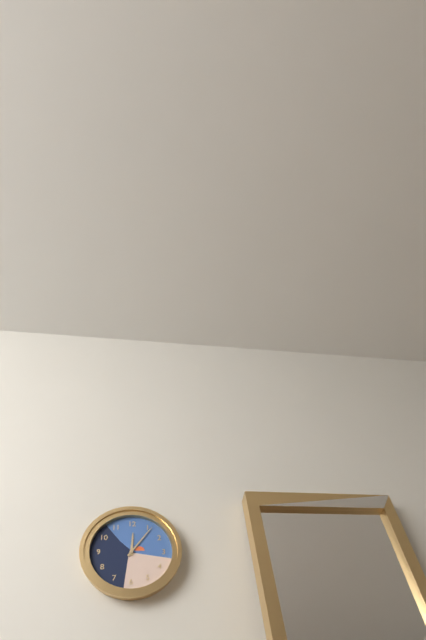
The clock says **12:06**
